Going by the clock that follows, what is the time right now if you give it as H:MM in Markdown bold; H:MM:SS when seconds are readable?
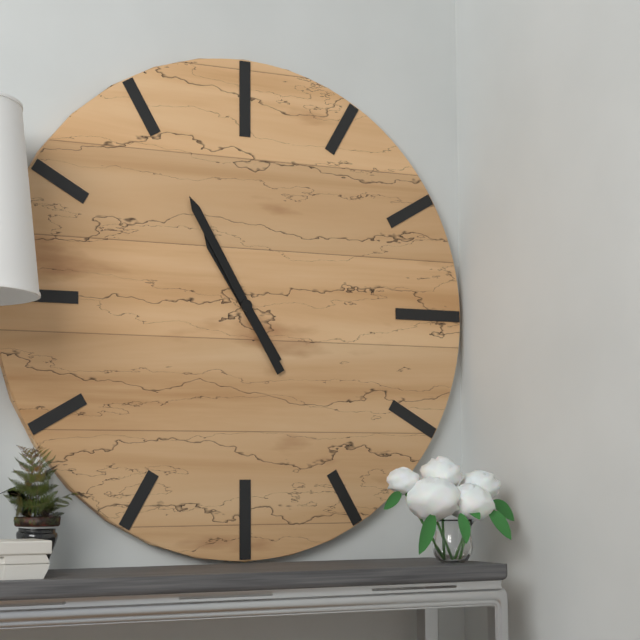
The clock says **10:55**
